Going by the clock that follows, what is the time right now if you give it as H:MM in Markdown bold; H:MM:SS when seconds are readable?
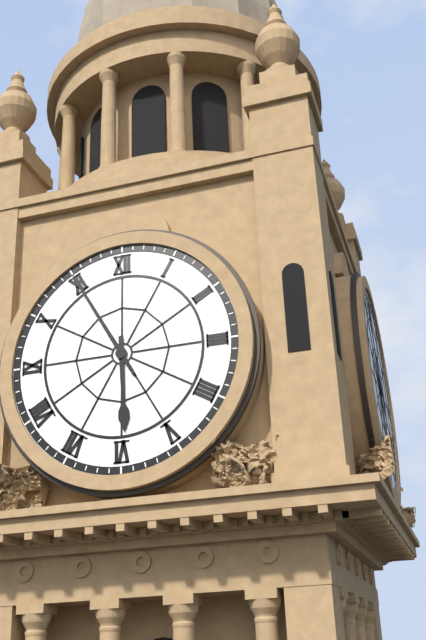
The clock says **5:55**
